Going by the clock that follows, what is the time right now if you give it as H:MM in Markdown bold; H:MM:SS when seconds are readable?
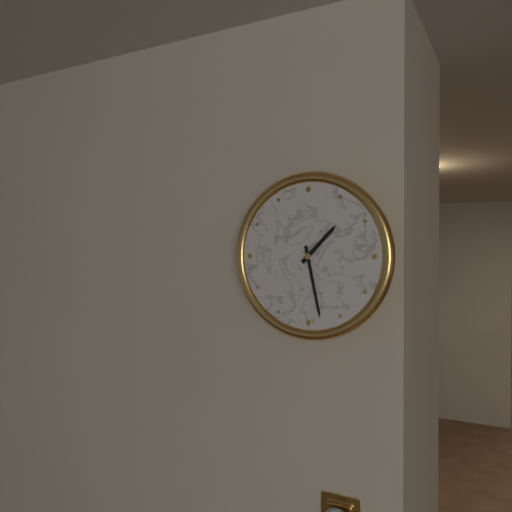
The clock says **1:28**
